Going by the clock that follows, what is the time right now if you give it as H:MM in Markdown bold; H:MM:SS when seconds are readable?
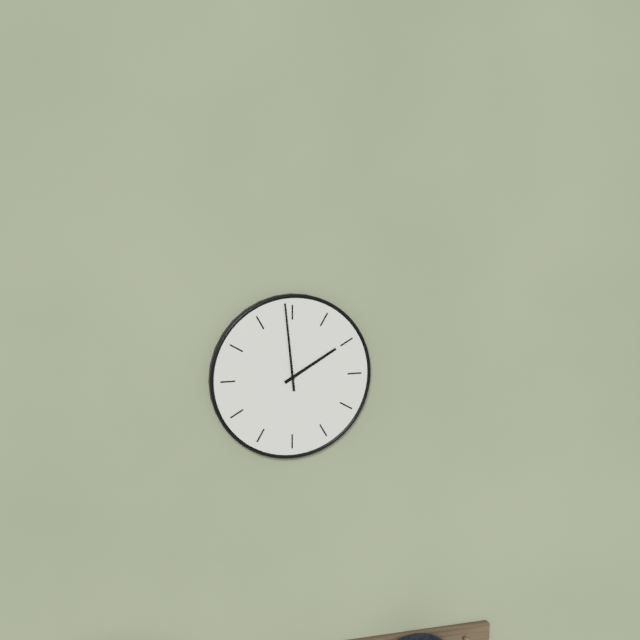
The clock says **1:59**
